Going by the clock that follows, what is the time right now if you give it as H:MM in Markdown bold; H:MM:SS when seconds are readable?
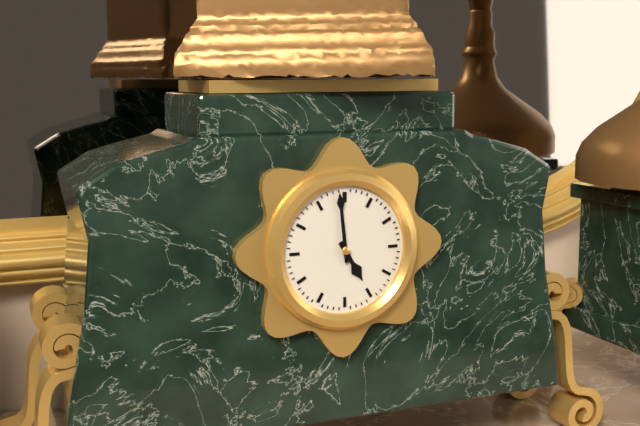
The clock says **4:59**
